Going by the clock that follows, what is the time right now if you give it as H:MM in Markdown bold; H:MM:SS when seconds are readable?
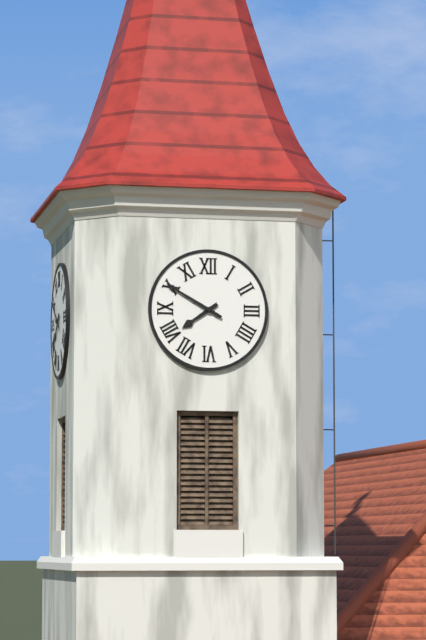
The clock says **7:50**
